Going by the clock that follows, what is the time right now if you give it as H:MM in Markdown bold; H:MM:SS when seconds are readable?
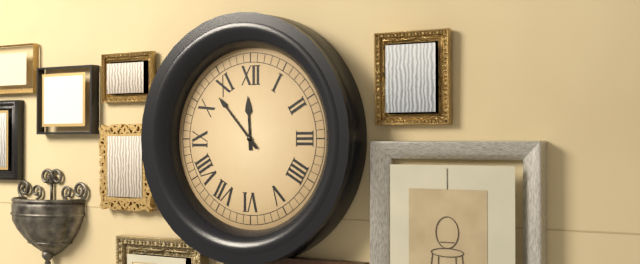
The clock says **11:53**
